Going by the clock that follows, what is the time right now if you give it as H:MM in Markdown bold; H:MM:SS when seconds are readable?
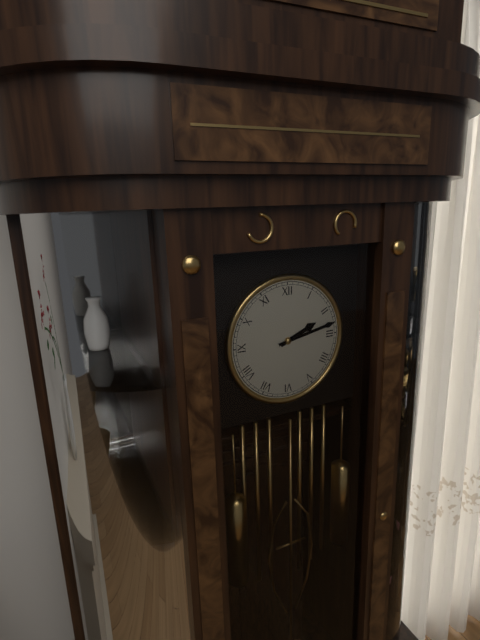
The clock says **2:13**
